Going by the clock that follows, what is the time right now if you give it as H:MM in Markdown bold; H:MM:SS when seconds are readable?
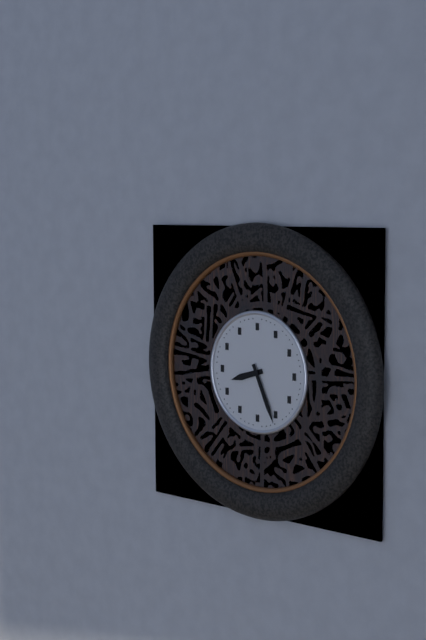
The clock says **8:26**
